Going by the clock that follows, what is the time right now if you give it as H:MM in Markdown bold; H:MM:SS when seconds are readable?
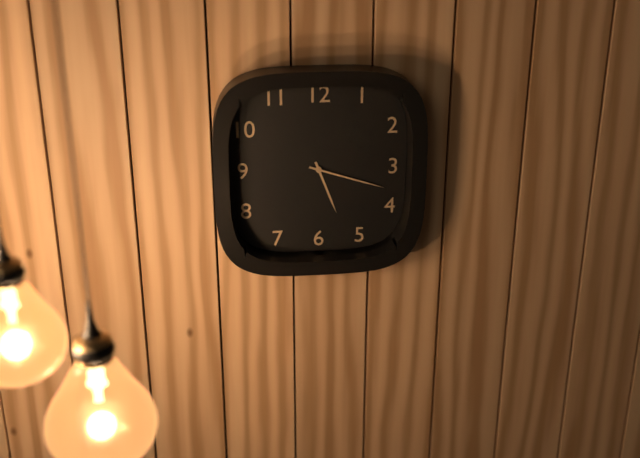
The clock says **5:18**
